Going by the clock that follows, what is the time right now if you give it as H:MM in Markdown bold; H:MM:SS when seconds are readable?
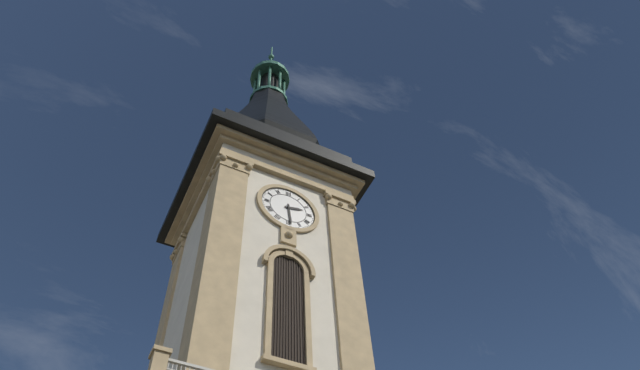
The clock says **2:29**
